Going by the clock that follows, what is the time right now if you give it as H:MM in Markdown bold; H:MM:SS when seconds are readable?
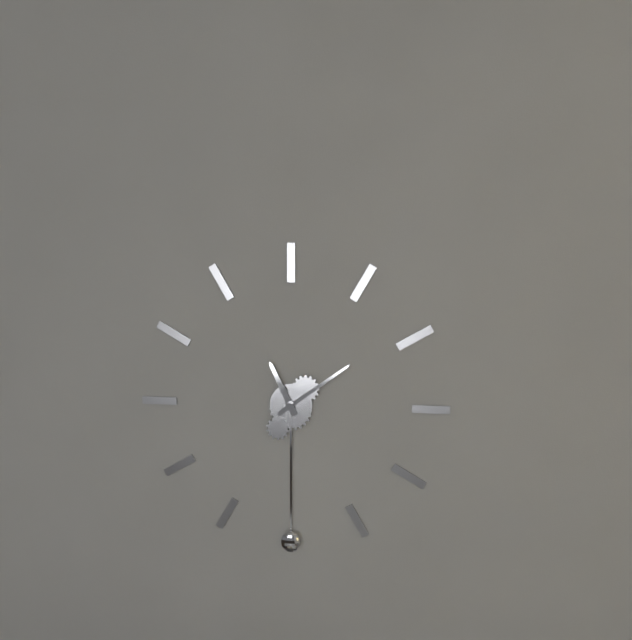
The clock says **11:09**
